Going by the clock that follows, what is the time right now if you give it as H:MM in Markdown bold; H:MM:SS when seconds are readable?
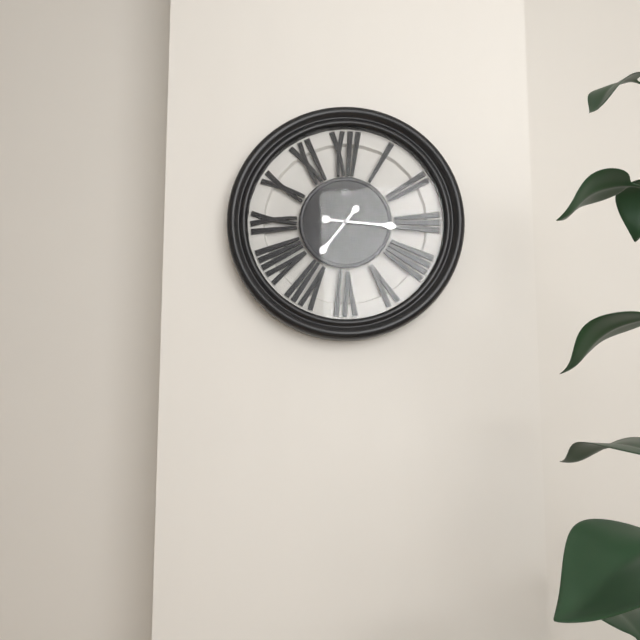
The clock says **7:16**
